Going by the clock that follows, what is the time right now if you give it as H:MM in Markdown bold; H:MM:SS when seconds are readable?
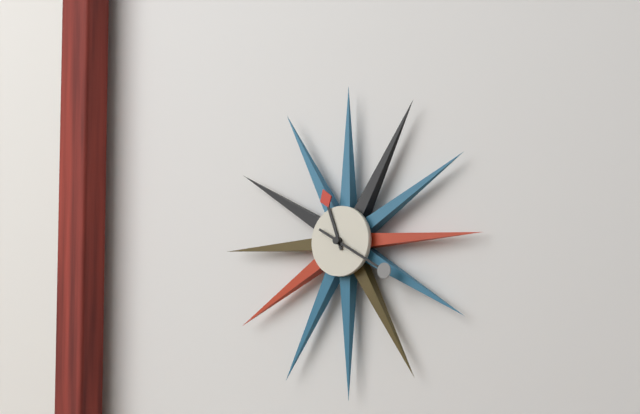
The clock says **11:20**
